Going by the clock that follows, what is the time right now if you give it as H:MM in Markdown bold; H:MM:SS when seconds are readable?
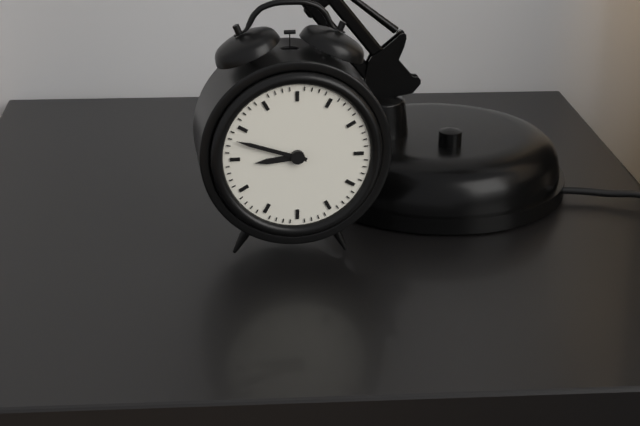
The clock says **8:48**
